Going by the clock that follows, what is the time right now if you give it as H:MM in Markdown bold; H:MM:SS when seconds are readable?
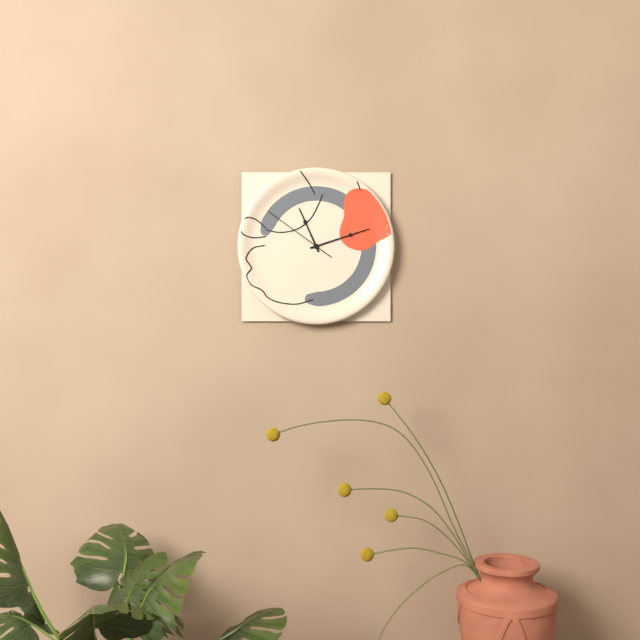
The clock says **11:12:51**
